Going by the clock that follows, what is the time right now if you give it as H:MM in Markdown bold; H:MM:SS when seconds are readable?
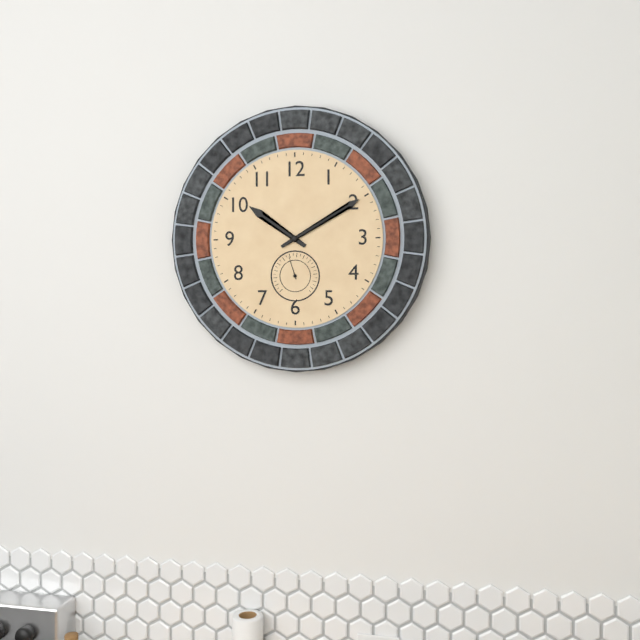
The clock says **10:10**
